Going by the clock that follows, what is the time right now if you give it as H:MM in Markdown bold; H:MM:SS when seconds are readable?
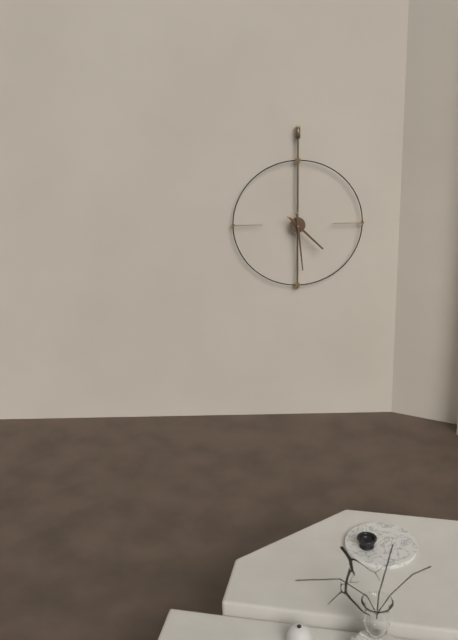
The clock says **4:29**
